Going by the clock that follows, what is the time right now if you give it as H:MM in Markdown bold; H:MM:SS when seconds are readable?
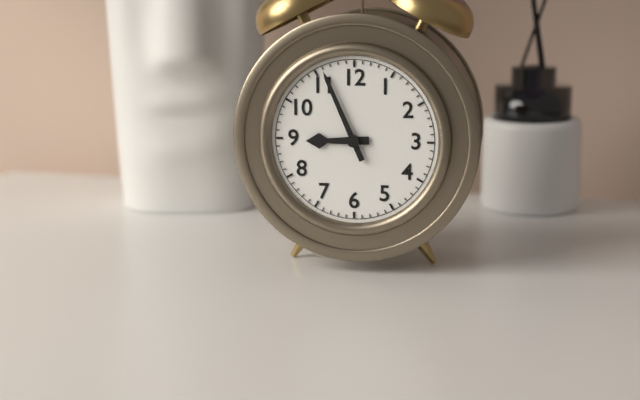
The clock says **8:56**
